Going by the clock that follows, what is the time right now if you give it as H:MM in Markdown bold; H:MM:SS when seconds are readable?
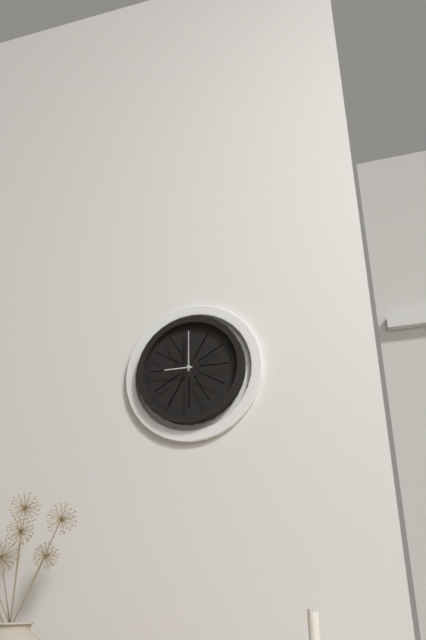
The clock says **9:00**
